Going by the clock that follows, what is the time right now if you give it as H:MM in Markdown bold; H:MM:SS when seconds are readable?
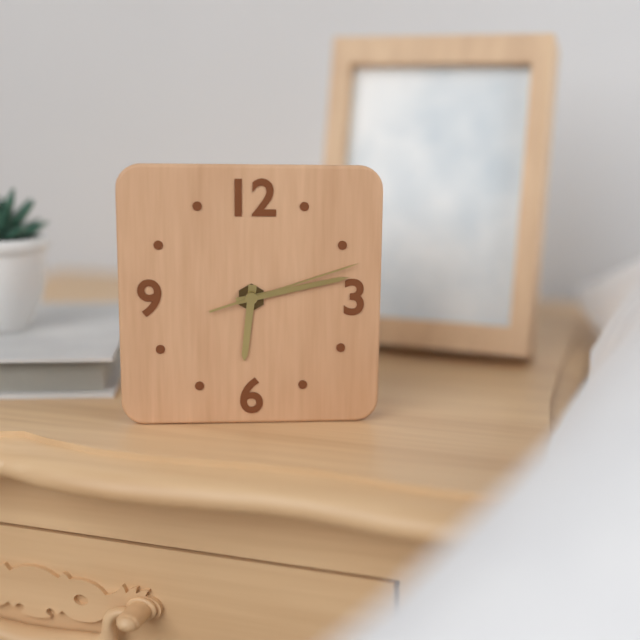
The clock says **6:13:12**
